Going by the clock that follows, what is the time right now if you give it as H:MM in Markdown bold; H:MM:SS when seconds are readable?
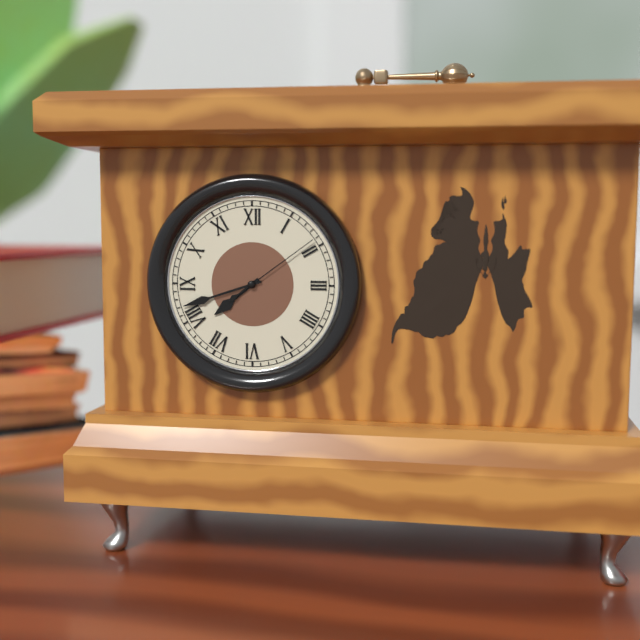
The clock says **7:42:09**
